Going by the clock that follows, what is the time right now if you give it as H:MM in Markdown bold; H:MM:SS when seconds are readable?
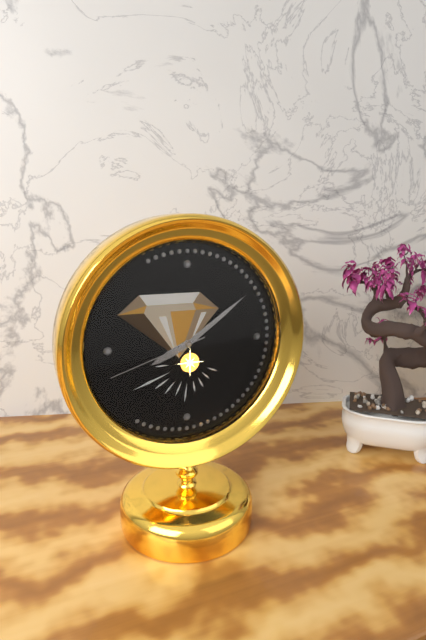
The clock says **8:09:42**
